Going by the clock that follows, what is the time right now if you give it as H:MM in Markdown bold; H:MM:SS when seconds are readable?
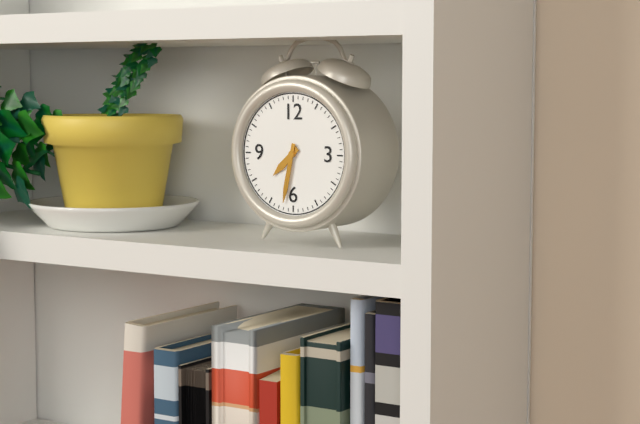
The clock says **7:32**
